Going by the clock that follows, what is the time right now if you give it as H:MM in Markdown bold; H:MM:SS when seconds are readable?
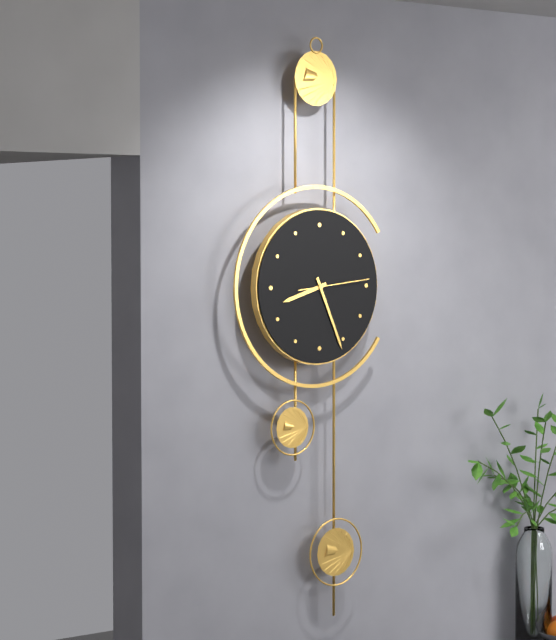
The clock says **8:26:14**
